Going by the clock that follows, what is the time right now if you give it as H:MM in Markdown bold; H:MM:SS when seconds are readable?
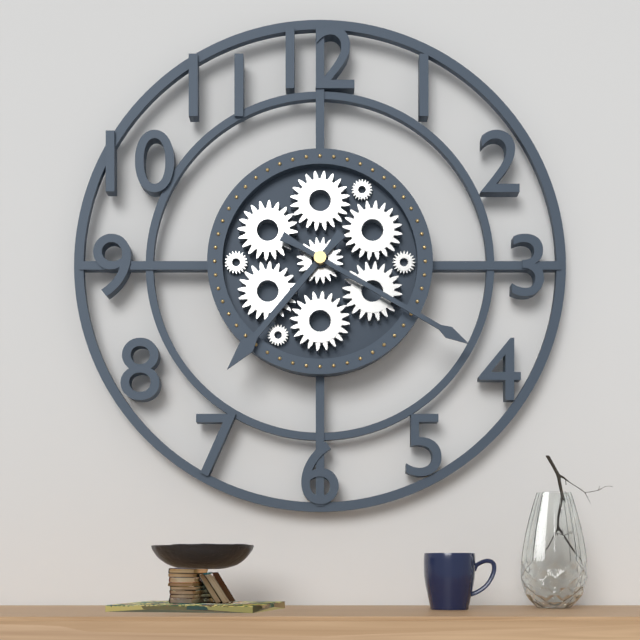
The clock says **7:20**
